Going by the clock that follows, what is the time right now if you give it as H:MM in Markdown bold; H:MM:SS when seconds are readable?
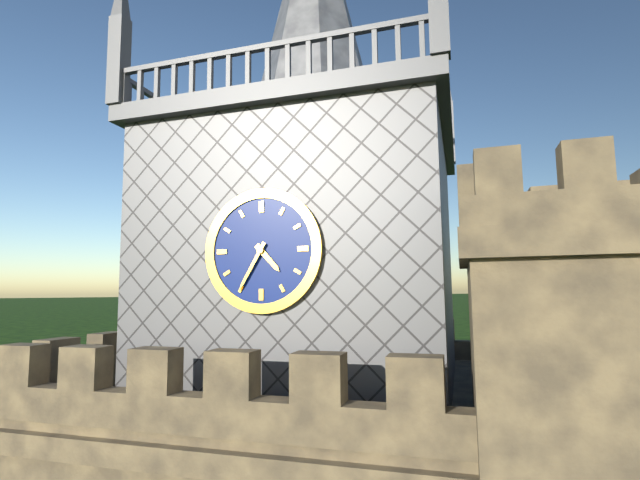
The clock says **4:35**
